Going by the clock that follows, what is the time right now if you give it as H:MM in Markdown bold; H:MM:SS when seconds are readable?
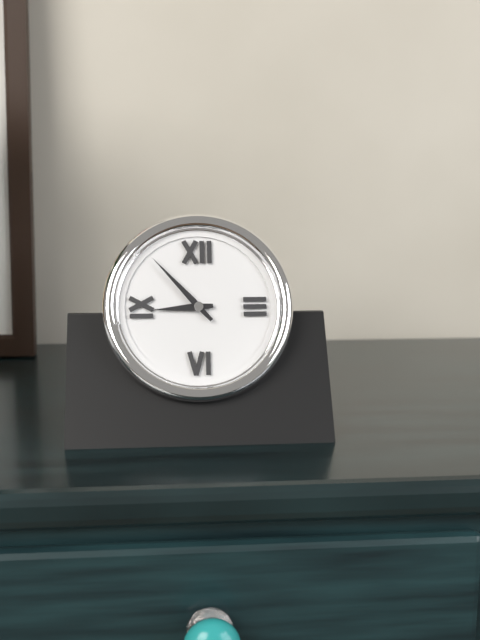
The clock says **8:53**
